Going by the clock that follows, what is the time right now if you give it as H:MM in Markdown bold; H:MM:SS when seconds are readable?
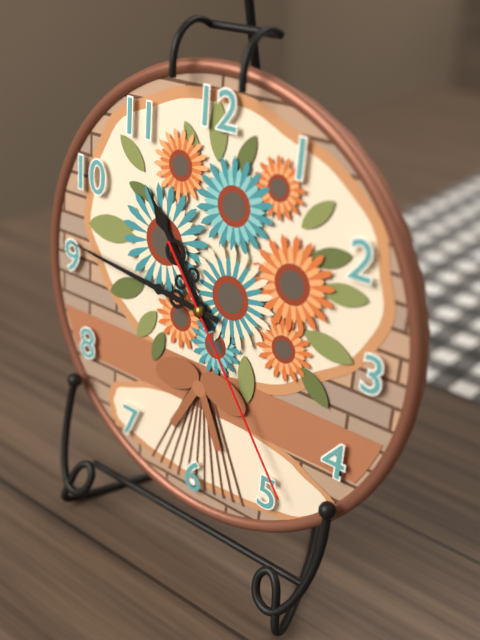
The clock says **10:46:24**
